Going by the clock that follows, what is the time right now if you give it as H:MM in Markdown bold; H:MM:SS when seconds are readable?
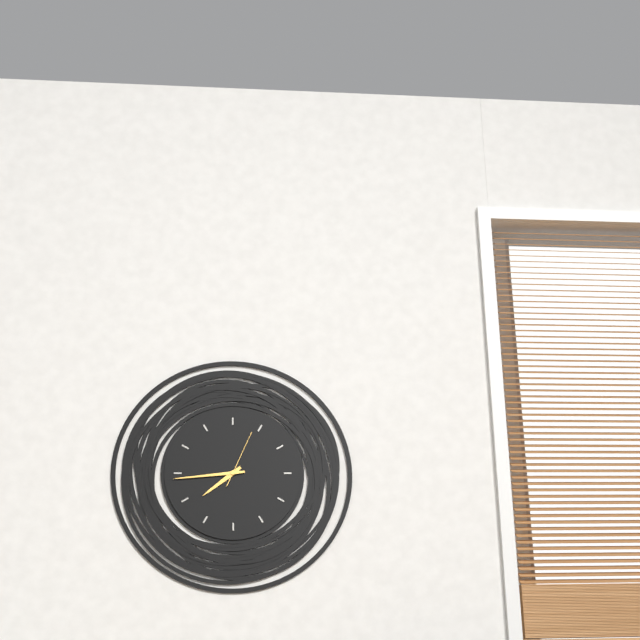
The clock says **7:44:04**
